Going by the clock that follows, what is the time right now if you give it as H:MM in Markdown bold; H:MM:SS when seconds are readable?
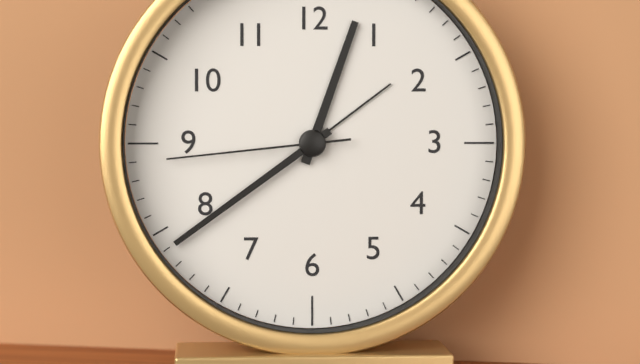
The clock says **12:39:44**
